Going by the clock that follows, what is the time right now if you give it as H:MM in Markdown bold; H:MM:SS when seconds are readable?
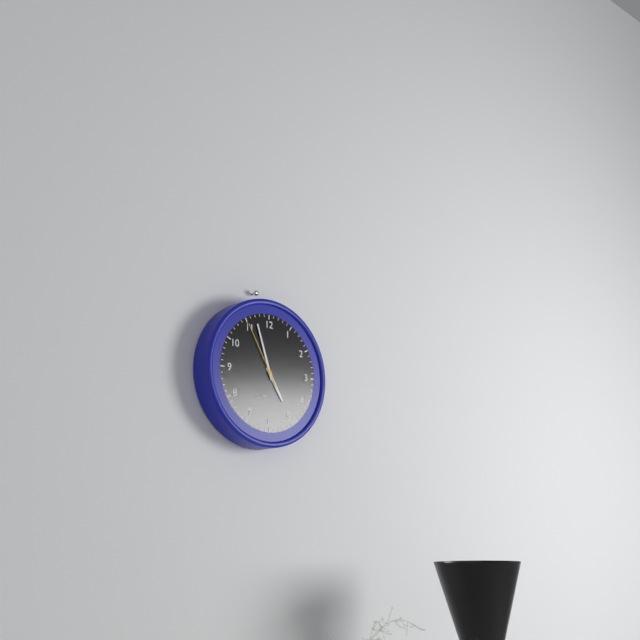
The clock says **4:57:55**
